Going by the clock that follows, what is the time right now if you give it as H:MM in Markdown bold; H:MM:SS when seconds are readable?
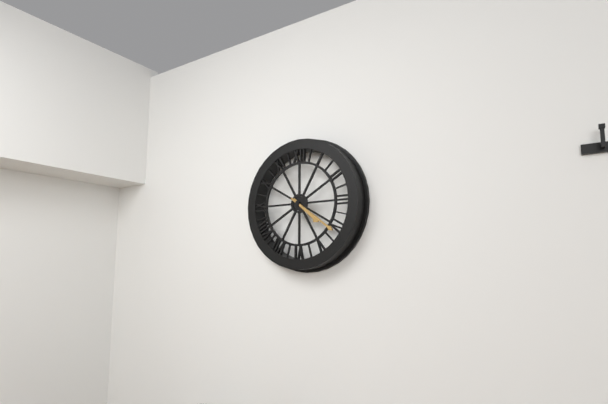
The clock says **4:21**
